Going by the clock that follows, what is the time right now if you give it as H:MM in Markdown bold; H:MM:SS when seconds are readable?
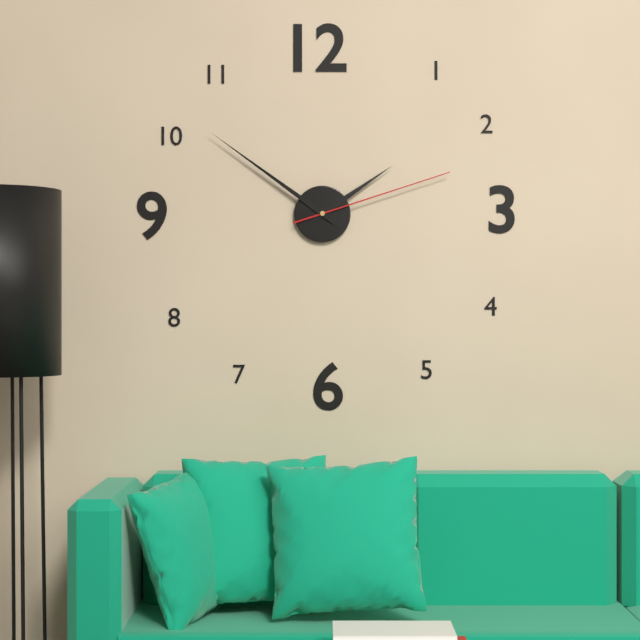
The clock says **1:51:12**
